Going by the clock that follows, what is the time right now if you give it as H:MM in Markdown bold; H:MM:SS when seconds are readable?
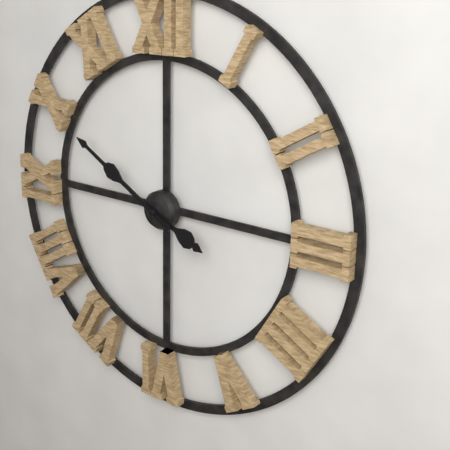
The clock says **3:50**
